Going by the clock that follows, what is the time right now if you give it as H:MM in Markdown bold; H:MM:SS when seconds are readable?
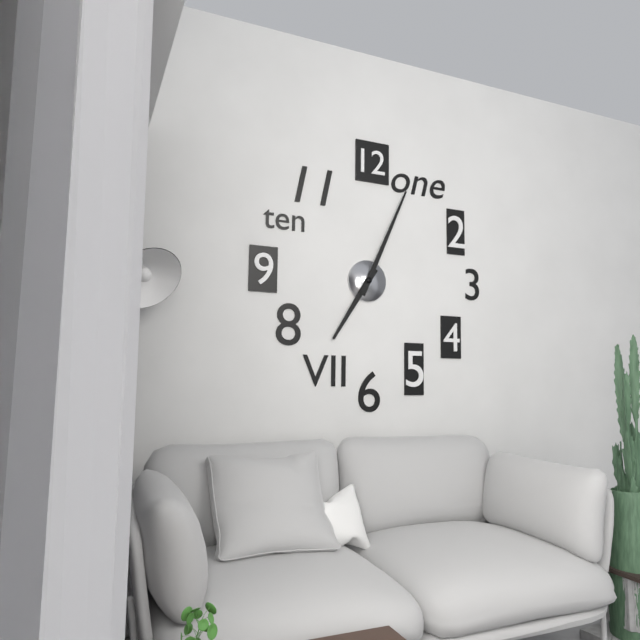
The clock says **7:04**
